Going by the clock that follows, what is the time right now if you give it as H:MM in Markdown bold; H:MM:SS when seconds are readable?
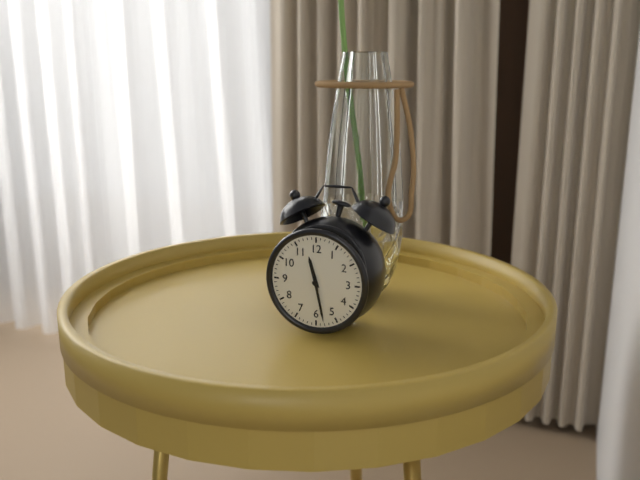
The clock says **11:28**
